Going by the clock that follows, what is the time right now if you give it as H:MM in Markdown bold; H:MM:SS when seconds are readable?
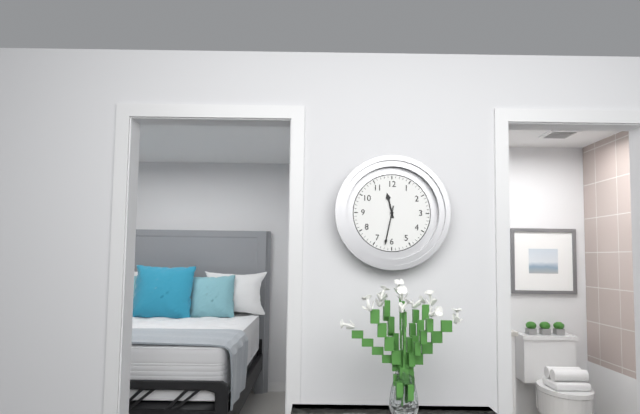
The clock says **11:32**
